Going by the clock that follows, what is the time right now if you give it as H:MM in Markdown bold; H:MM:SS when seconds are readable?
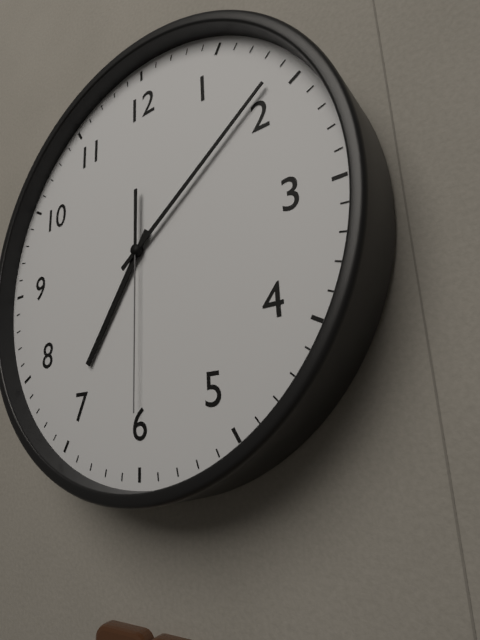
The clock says **7:09:30**
